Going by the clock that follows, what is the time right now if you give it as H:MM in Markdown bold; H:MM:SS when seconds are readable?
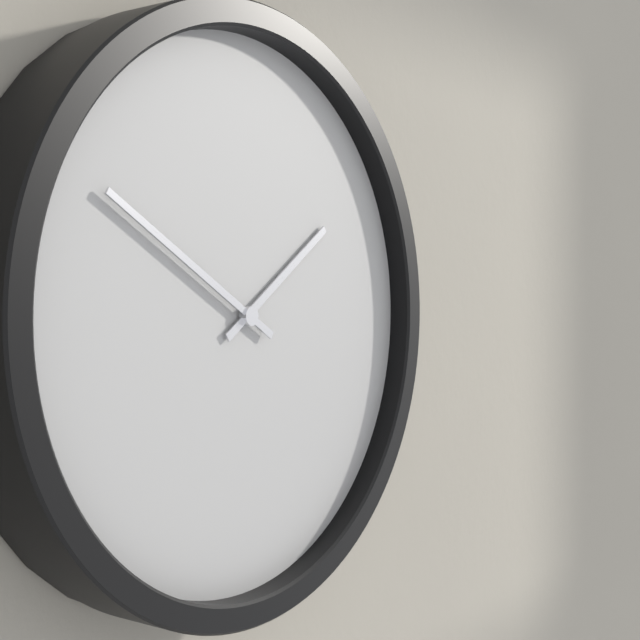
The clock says **1:50**
